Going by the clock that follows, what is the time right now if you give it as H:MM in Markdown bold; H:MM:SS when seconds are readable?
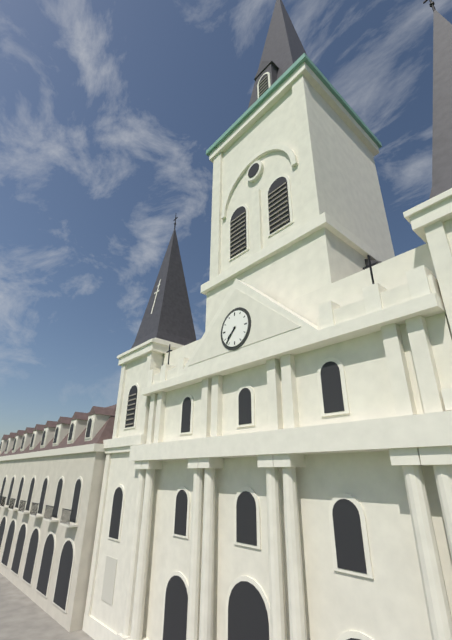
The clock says **7:37**
